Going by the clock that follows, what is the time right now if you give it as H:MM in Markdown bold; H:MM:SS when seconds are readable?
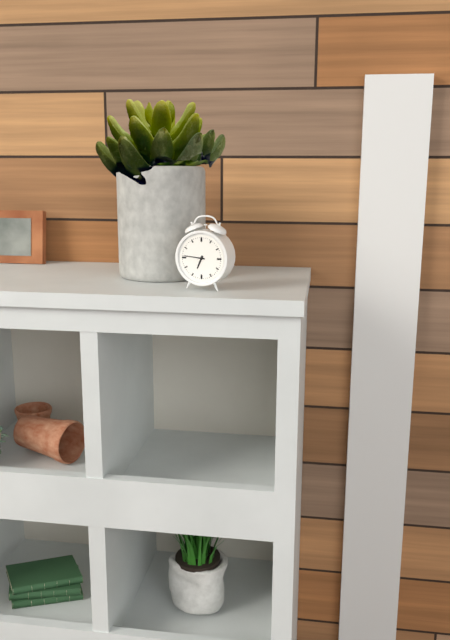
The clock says **6:46**
